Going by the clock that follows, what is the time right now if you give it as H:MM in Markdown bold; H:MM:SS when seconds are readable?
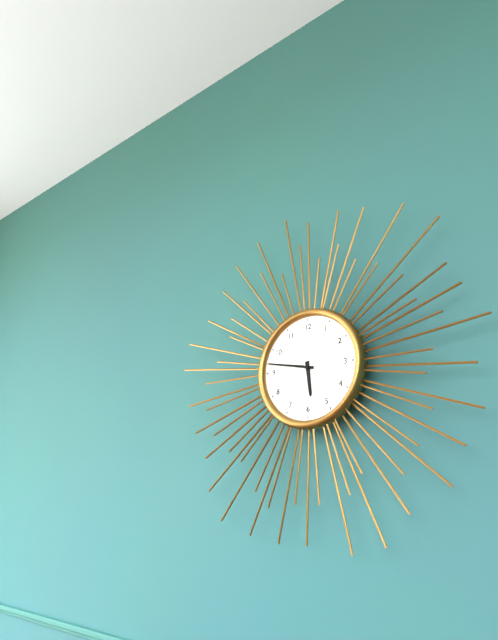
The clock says **5:47**
